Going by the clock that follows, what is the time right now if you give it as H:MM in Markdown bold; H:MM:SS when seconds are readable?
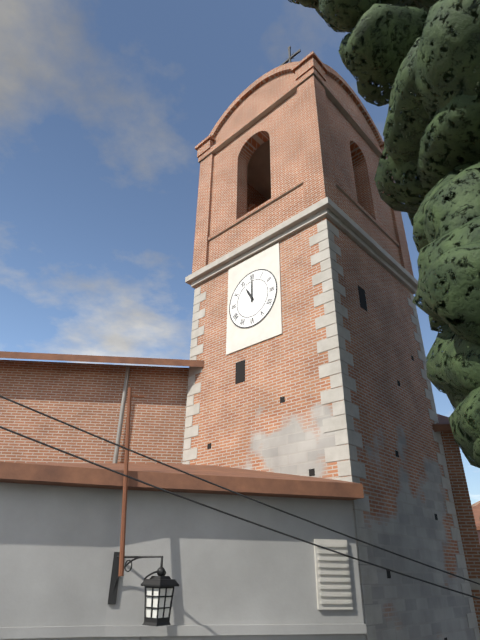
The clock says **11:00**
